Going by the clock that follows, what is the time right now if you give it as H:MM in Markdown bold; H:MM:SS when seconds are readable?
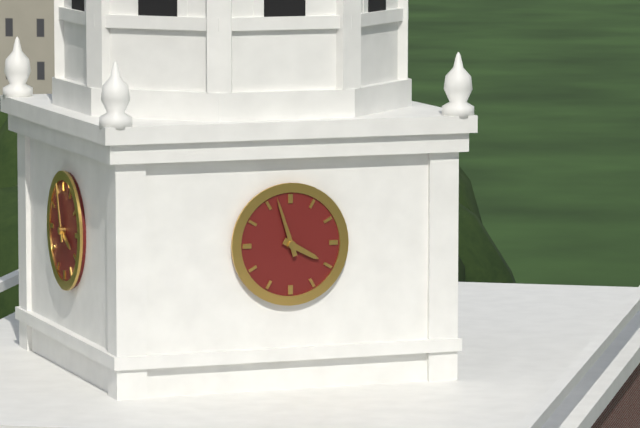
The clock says **3:57**
